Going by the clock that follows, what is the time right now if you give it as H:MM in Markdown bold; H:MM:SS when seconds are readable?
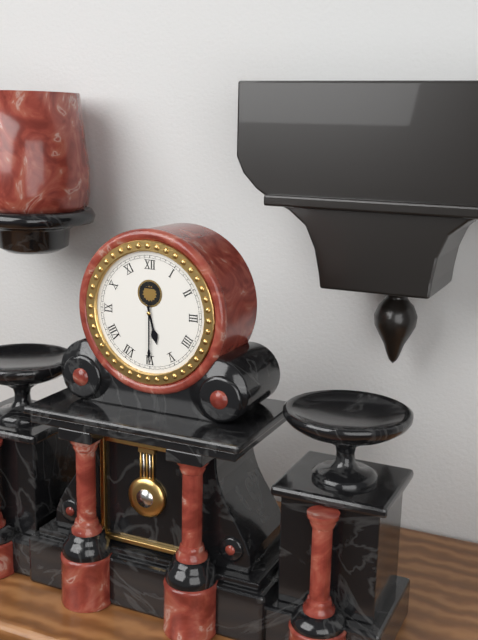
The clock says **5:30**
